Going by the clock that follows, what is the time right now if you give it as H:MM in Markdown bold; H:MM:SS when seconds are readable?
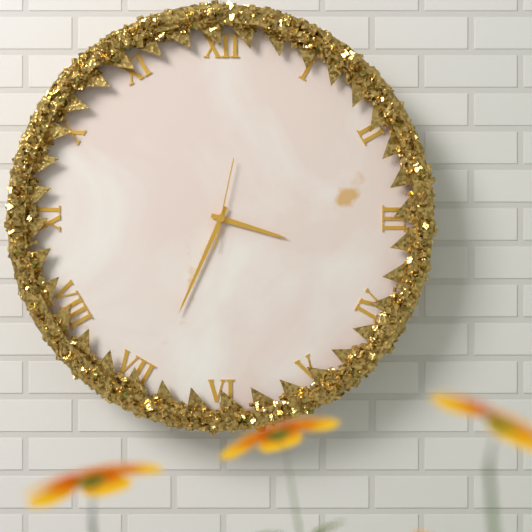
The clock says **3:34:02**
